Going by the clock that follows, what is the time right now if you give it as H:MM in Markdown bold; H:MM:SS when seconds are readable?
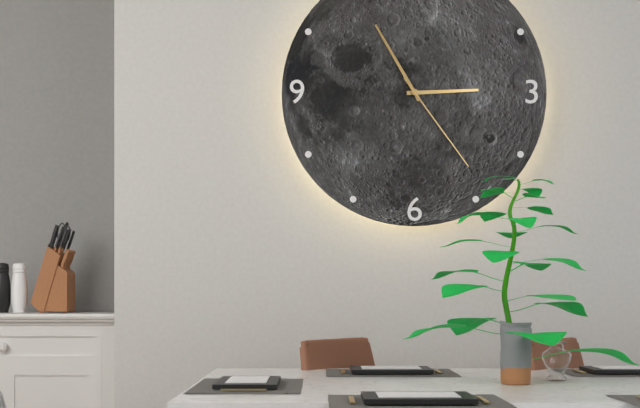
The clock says **2:55:24**
